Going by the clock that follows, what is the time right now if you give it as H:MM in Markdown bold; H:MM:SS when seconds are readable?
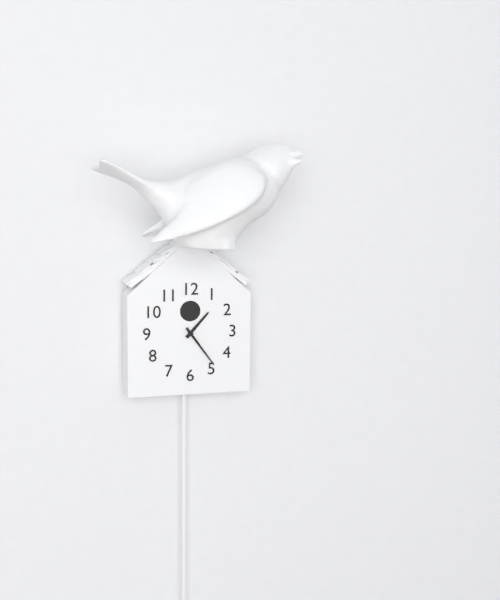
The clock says **1:24**
